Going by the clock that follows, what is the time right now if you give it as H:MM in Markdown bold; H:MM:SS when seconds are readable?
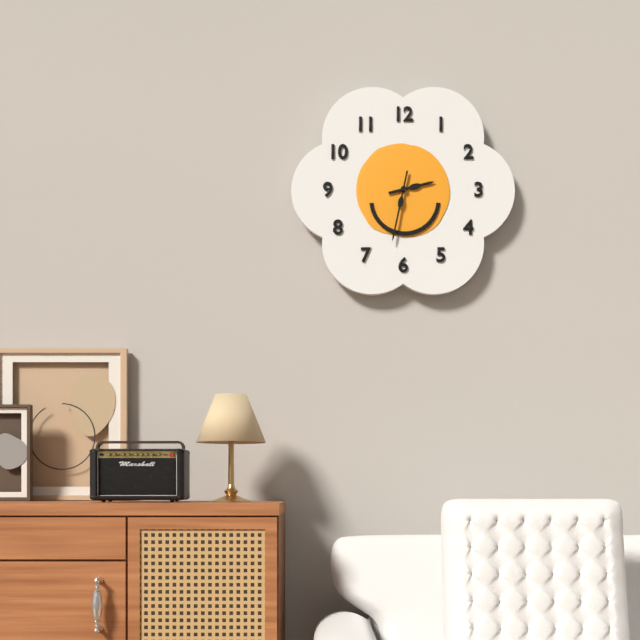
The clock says **2:32**
